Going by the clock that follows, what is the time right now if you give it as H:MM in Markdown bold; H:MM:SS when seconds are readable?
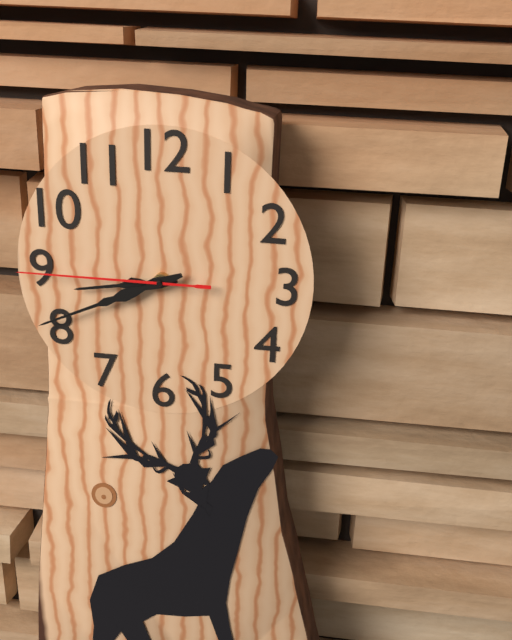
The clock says **8:41:45**
